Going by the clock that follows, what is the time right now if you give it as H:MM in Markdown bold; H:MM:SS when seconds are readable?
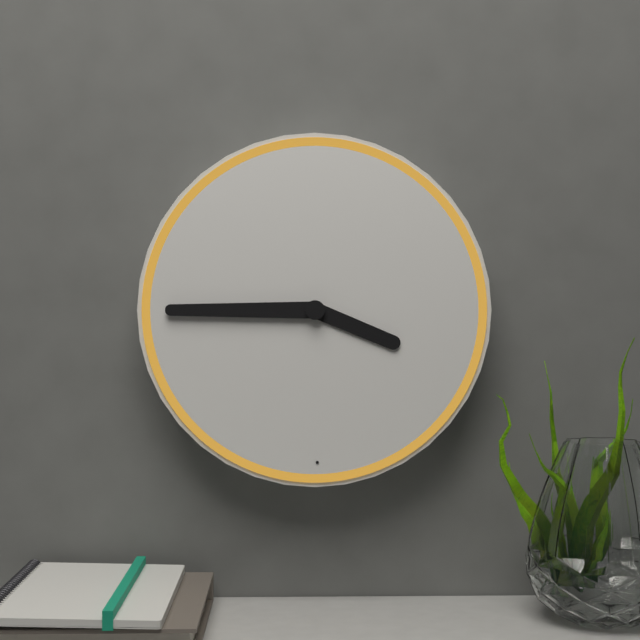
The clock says **3:45**
